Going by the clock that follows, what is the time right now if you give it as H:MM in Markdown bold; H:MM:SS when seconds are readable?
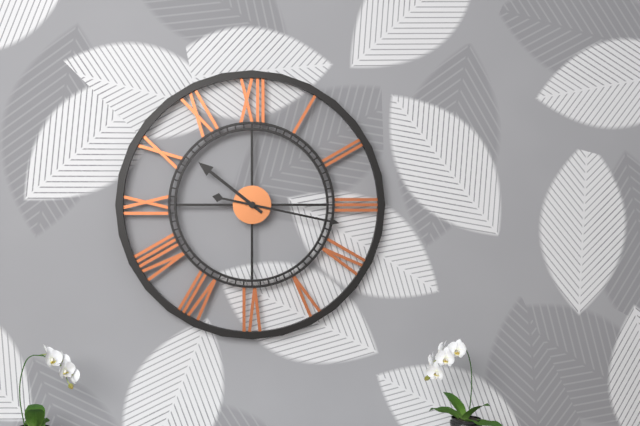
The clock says **10:17**
